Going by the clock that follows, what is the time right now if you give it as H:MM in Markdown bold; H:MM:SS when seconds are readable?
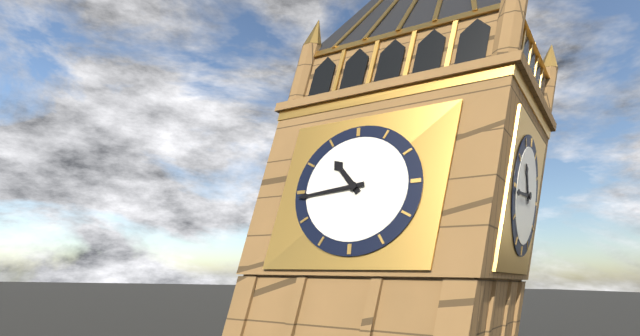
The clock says **10:44**
